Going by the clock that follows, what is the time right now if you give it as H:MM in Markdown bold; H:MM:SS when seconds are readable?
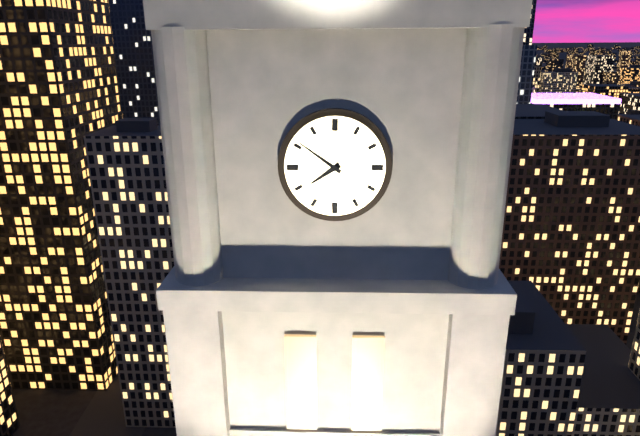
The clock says **7:51**
